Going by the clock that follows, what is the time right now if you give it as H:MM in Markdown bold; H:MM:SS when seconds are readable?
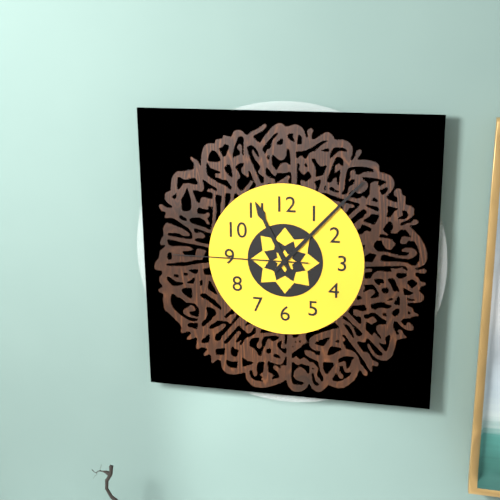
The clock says **11:07:45**
